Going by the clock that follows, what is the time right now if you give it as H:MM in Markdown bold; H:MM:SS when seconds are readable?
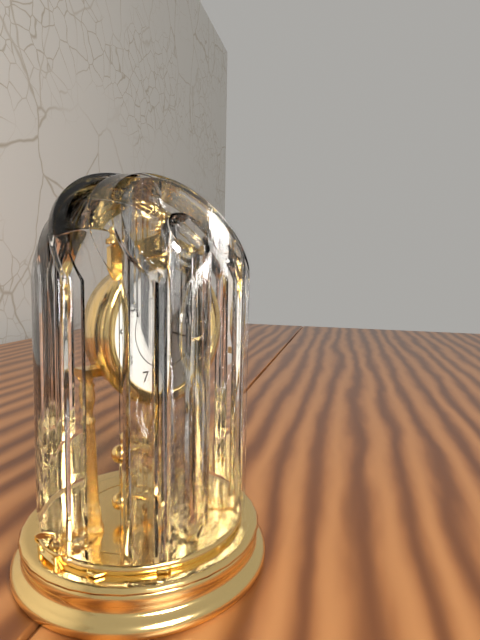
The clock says **11:18**
